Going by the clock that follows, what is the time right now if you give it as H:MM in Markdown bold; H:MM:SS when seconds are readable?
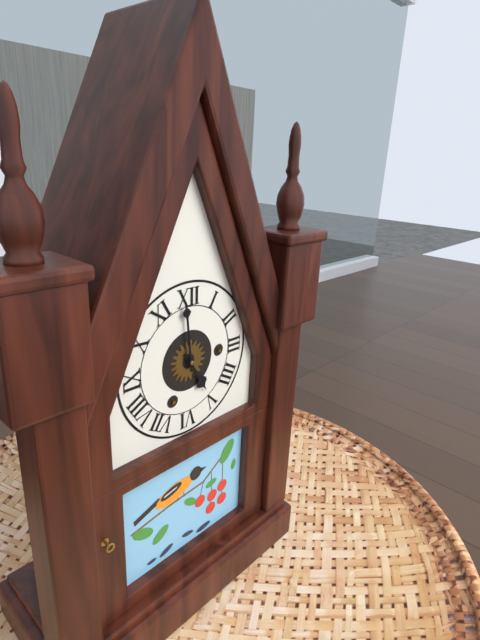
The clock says **4:59**
